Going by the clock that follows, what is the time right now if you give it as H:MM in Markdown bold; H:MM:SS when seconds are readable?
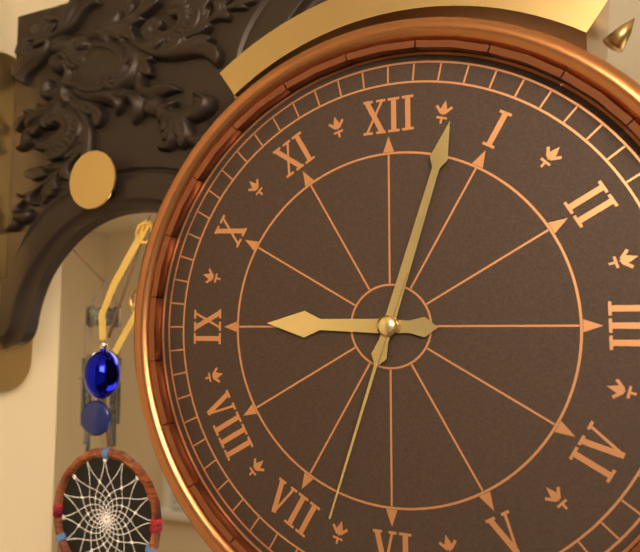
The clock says **9:03:33**
